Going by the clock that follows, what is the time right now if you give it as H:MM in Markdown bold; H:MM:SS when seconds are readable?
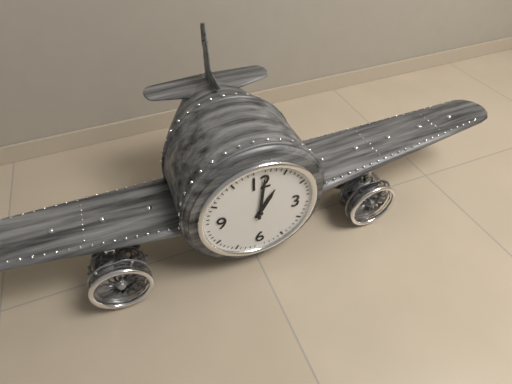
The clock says **1:01**
